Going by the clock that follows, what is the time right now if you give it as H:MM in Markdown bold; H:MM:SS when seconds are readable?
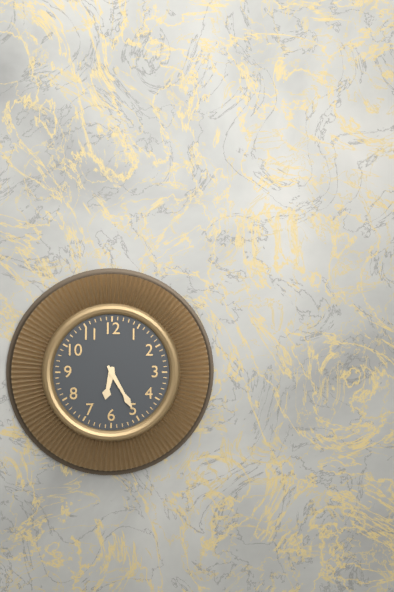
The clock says **6:25**
